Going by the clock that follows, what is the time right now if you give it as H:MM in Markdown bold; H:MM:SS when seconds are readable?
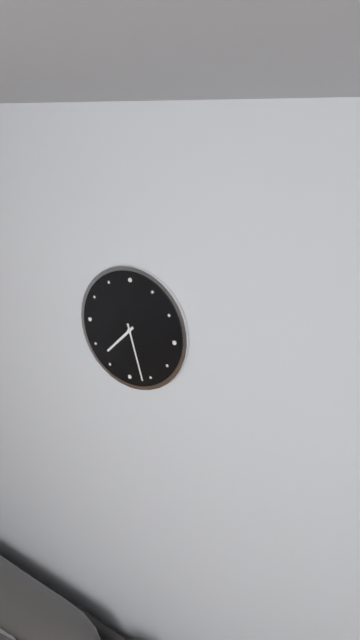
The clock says **7:27**
